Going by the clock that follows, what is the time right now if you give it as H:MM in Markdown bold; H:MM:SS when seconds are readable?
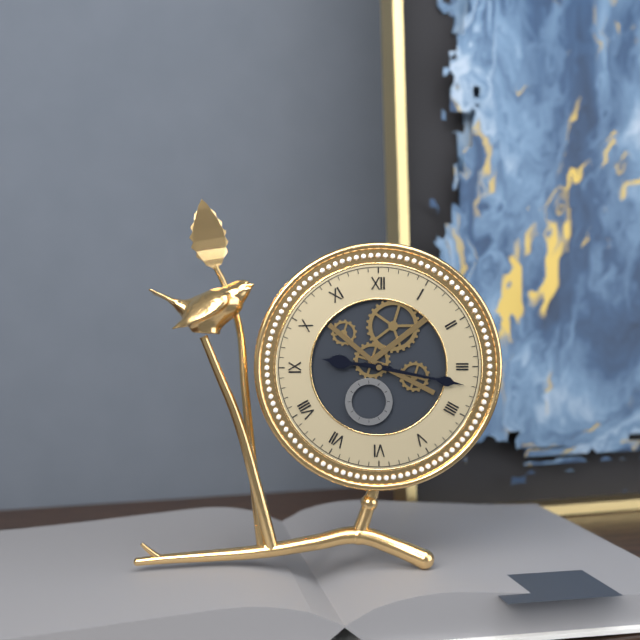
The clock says **9:17**
